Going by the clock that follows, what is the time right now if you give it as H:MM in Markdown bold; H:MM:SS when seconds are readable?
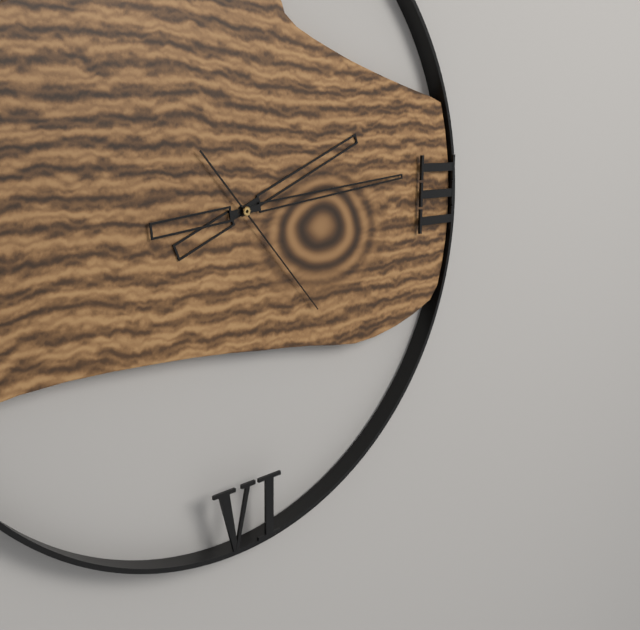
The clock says **2:14:23**
